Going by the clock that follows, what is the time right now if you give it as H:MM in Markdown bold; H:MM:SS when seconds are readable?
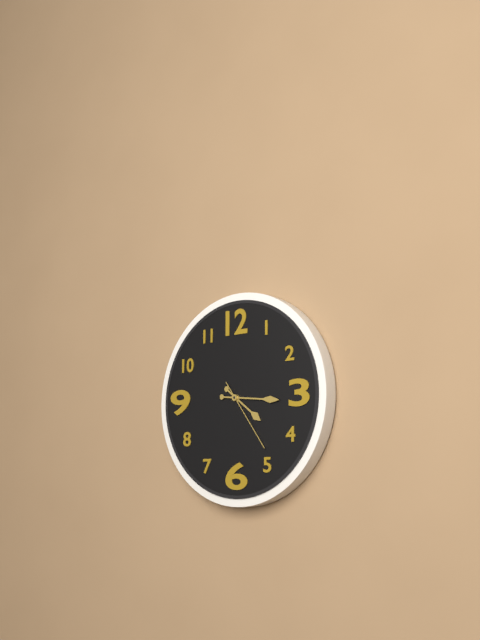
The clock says **4:16:24**
